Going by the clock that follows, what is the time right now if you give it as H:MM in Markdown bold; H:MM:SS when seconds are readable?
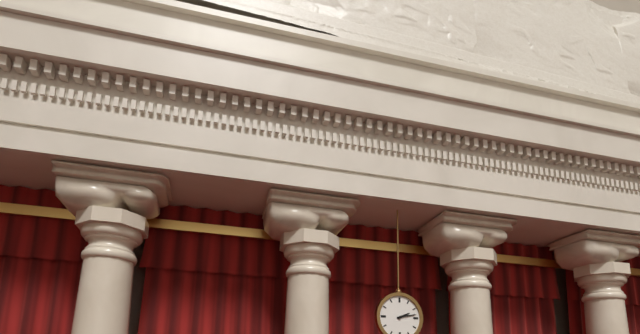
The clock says **2:13**
